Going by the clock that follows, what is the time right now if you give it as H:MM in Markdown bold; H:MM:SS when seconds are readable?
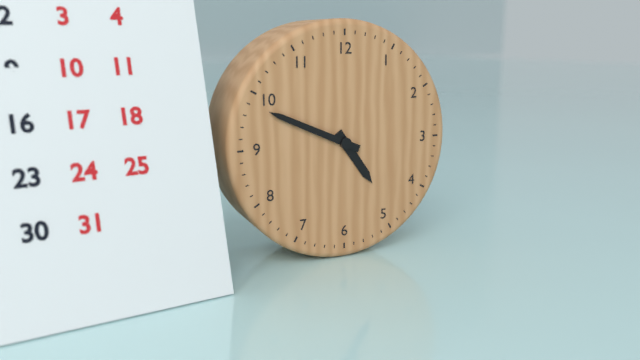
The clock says **4:49**
